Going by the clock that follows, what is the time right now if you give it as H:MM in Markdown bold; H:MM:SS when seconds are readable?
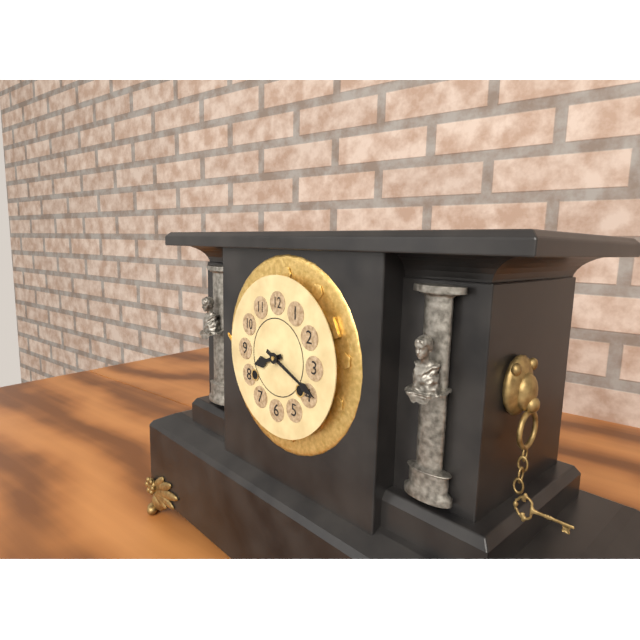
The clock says **8:19**
